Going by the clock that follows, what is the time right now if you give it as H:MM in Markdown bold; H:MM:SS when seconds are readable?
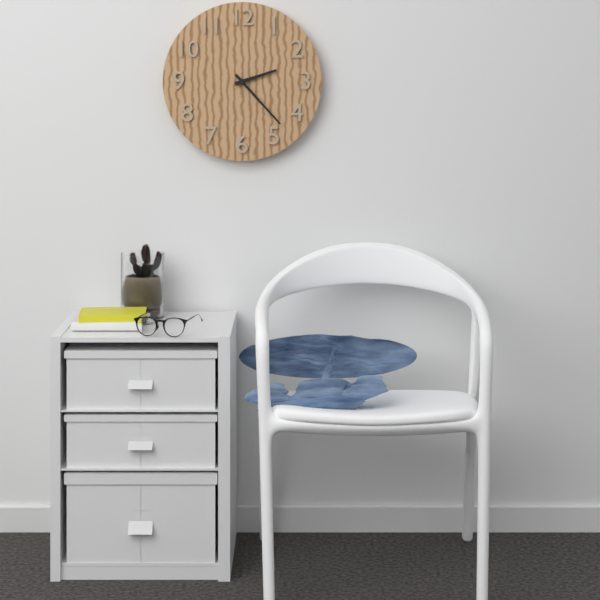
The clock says **2:23**
